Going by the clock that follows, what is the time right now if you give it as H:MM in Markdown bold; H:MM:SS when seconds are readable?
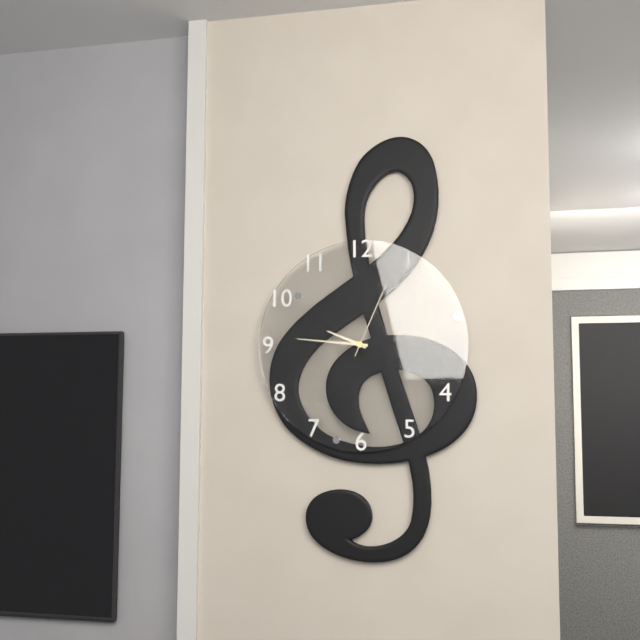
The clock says **9:46:04**
